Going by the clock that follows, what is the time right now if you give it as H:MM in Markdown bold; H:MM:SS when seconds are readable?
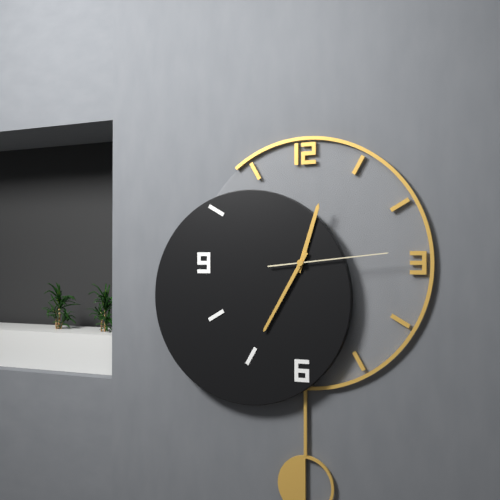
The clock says **12:35:14**
